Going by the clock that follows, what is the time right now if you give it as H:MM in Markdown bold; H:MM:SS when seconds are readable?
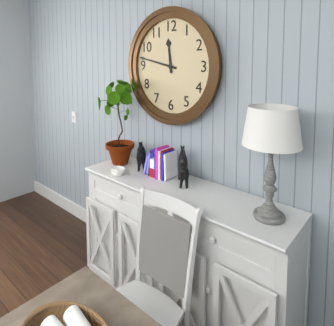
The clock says **11:47**
